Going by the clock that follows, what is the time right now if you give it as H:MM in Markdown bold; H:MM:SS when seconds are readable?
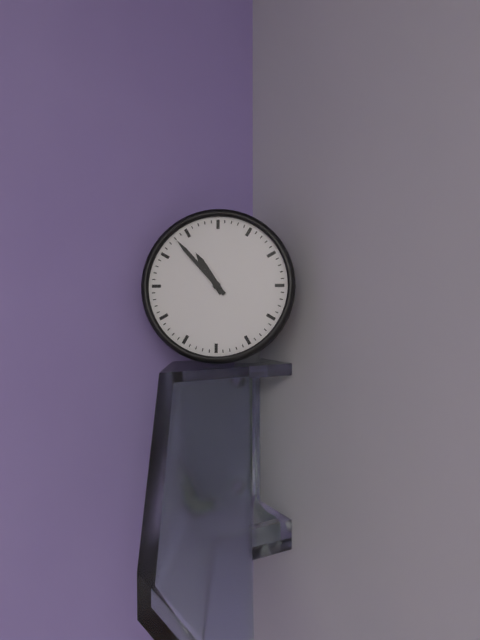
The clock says **10:53**
